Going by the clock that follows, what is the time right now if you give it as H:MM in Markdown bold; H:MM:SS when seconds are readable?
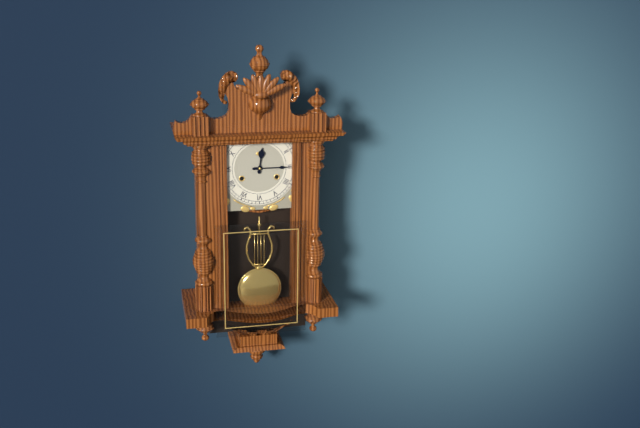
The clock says **12:15**
